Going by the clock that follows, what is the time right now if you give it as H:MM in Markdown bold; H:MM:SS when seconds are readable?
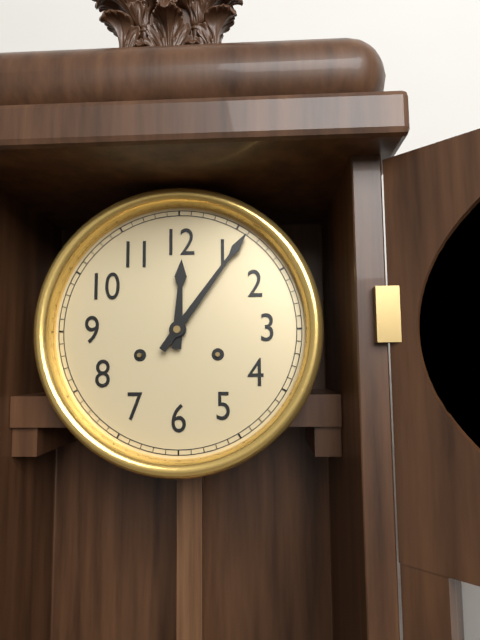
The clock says **12:06**
